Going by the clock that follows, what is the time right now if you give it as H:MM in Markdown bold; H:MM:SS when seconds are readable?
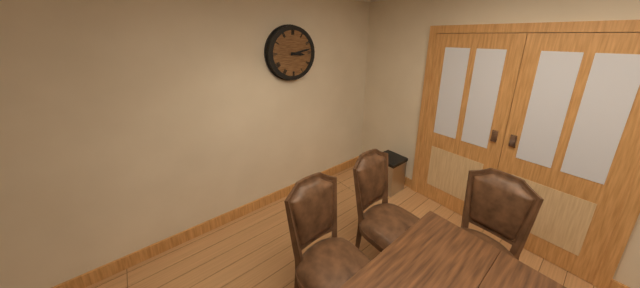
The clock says **3:13**
